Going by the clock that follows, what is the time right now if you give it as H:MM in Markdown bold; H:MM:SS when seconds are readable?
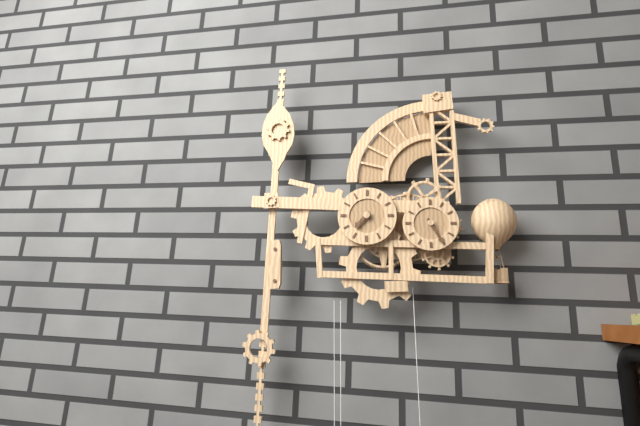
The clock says **7:25**
